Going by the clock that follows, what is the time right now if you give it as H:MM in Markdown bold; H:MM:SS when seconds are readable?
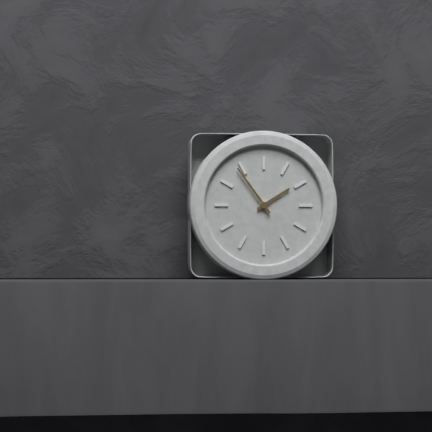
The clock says **1:54**
